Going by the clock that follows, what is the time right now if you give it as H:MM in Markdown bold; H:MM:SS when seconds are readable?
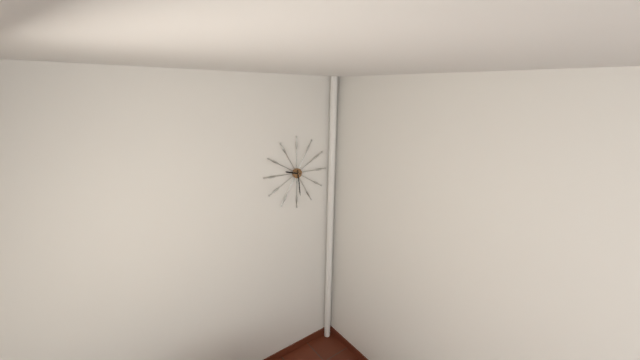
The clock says **9:29**
